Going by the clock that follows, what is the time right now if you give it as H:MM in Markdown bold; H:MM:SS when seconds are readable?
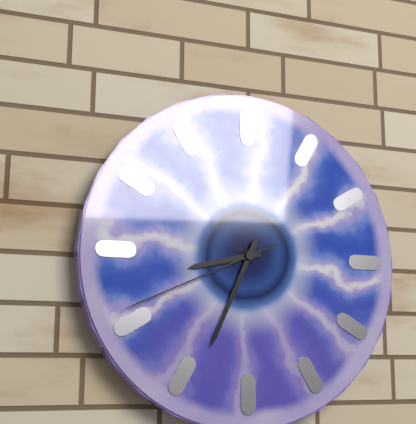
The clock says **8:34:41**
